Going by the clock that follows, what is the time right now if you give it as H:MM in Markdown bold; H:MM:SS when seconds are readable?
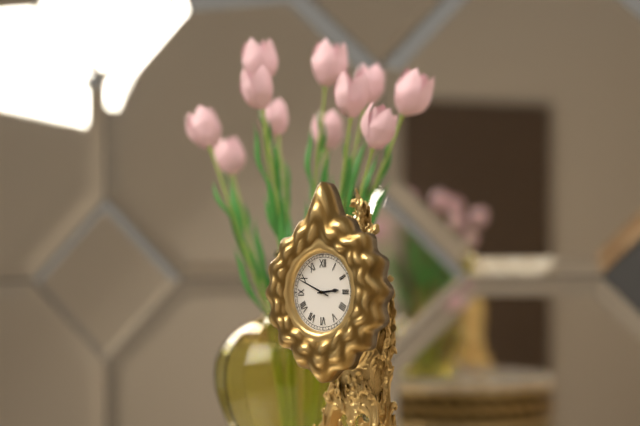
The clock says **2:49**
